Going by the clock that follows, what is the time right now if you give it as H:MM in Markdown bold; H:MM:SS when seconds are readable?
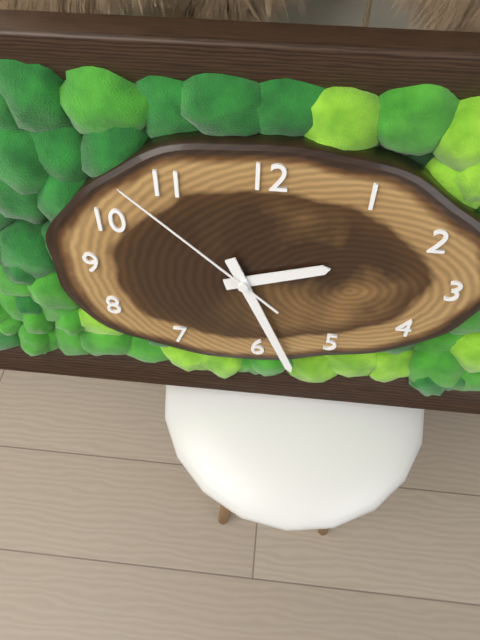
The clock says **2:26:52**
